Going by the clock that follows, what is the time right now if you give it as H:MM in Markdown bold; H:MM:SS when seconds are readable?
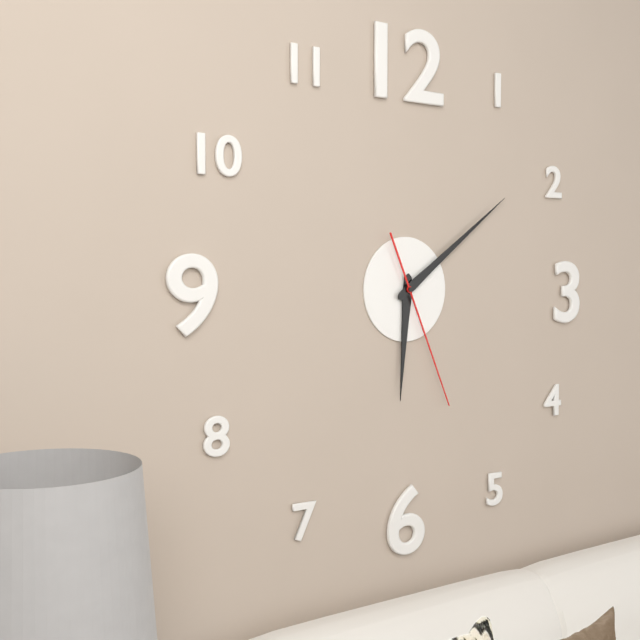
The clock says **6:09:26**
